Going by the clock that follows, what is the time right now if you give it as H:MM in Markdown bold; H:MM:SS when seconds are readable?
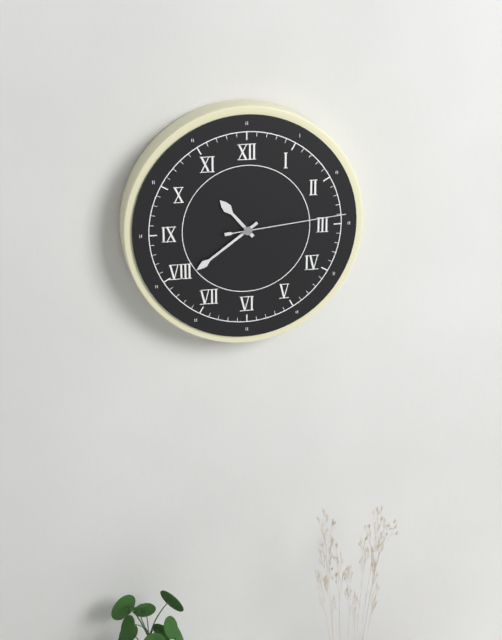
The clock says **10:39:14**
